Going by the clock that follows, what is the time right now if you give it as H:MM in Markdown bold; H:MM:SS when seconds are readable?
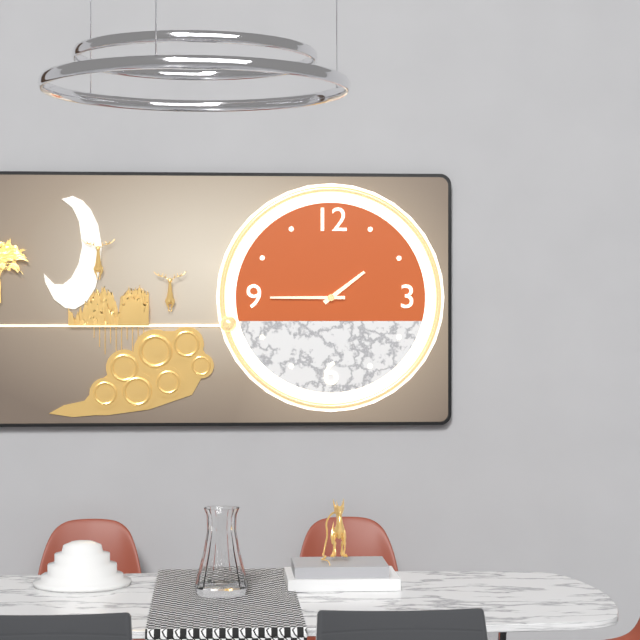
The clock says **1:45**
